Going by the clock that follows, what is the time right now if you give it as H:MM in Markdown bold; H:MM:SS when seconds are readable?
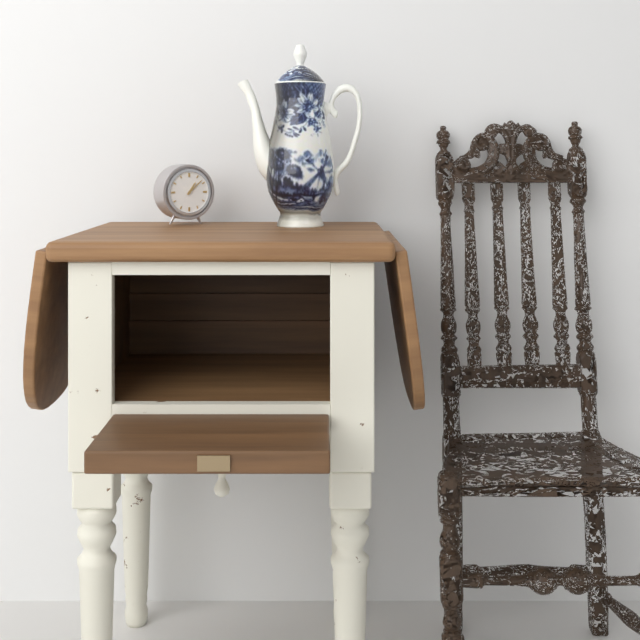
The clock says **1:08**
